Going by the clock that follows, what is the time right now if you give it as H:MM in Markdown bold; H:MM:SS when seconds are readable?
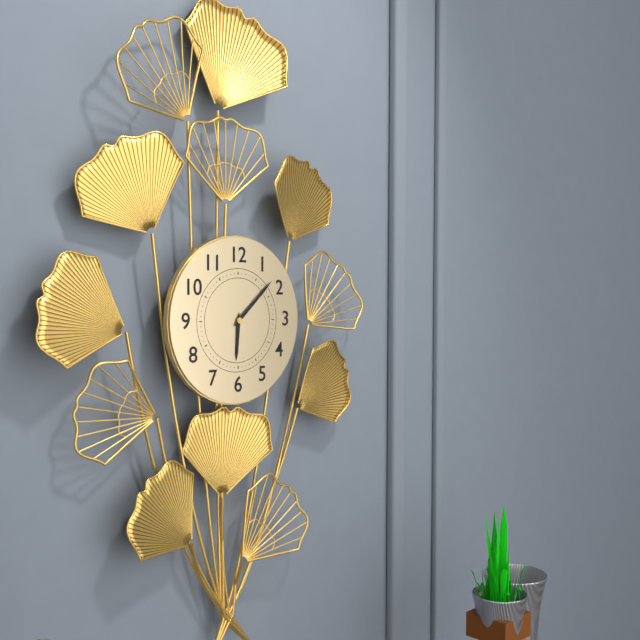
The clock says **6:08**
